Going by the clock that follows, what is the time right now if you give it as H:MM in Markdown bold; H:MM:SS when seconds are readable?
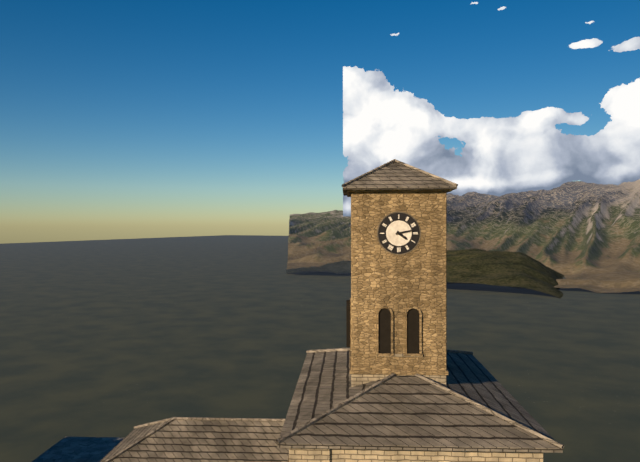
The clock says **4:13**
